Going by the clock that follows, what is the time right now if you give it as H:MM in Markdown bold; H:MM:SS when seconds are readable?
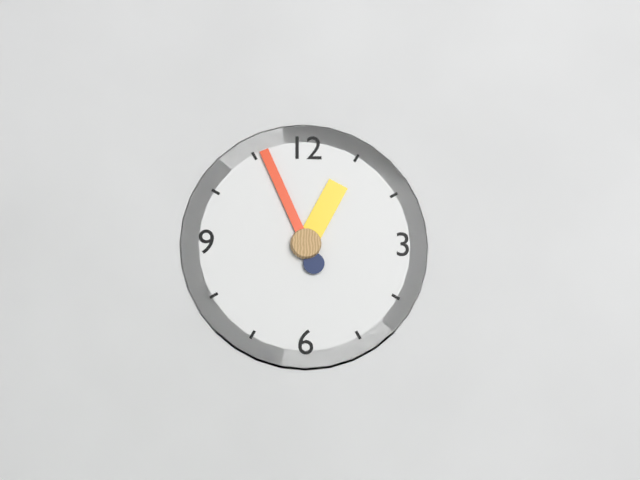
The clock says **12:56**
